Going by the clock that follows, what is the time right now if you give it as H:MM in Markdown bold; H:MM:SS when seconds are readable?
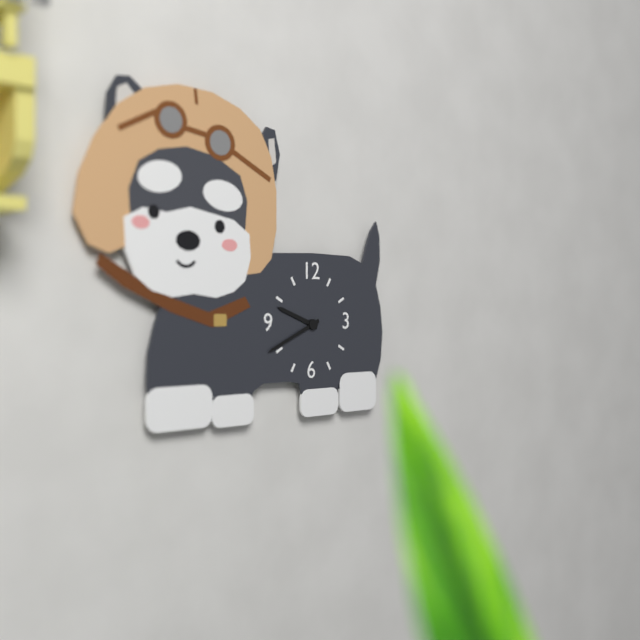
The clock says **9:41**
